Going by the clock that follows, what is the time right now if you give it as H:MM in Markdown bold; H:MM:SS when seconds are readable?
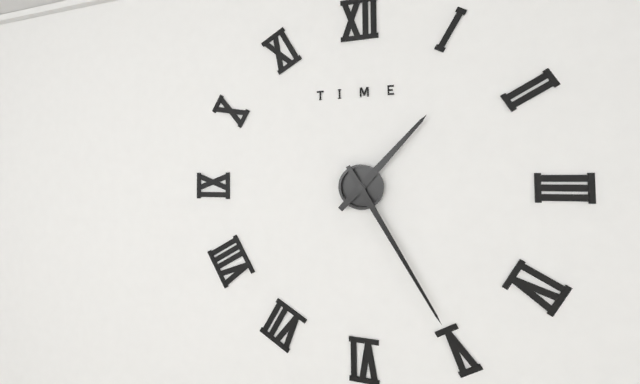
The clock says **1:25**
